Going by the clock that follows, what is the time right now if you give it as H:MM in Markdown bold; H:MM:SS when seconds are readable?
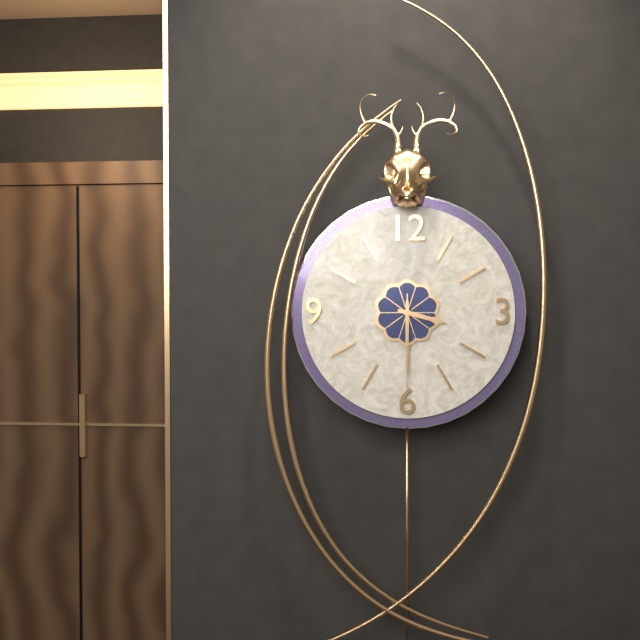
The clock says **3:30:30**
